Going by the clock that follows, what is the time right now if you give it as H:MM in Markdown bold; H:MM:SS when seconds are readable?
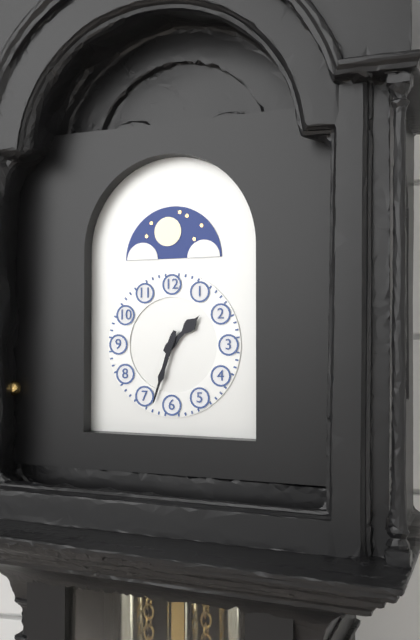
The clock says **1:33**
